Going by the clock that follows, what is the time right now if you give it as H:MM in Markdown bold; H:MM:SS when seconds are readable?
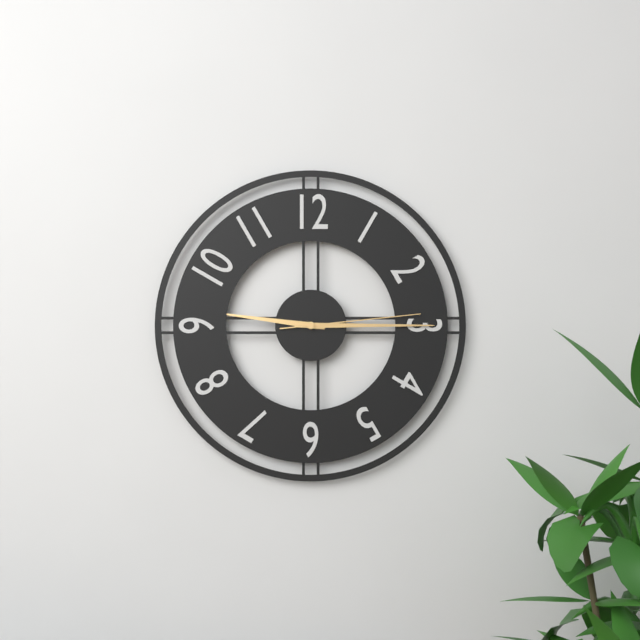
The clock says **9:15:14**
